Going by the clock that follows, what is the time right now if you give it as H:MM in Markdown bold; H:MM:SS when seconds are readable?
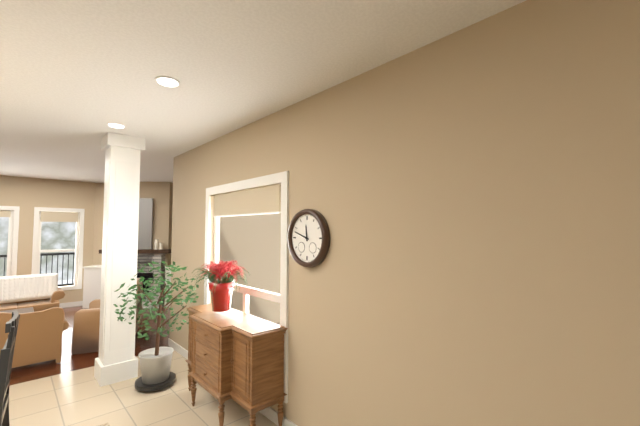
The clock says **11:48**
